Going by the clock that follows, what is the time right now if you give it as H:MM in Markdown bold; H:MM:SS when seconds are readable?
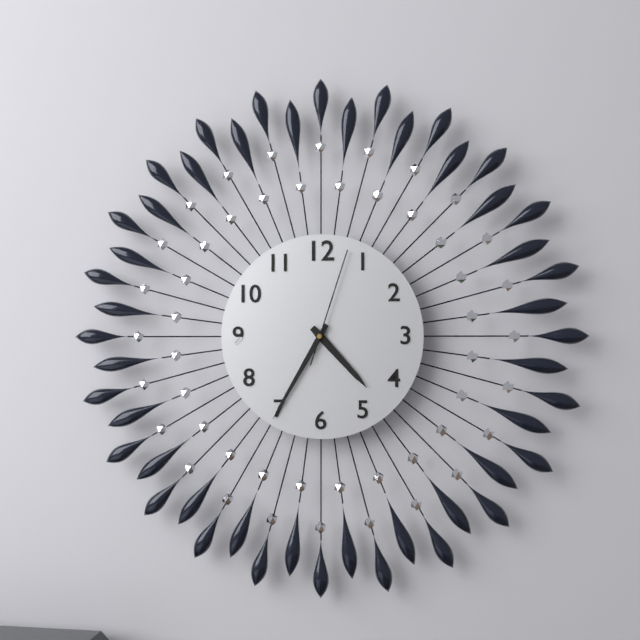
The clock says **4:35:03**
